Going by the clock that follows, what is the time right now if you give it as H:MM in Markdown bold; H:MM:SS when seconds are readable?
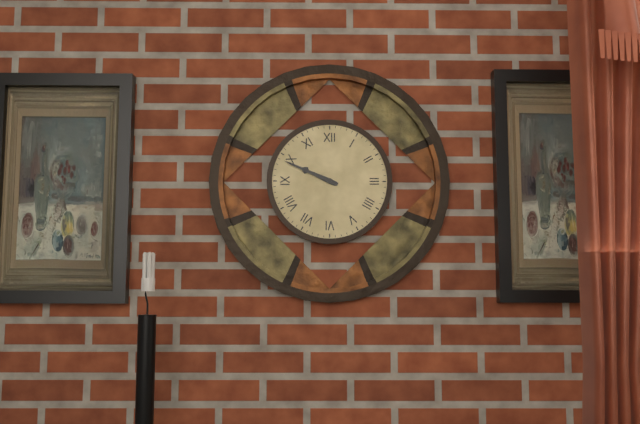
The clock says **9:49**
